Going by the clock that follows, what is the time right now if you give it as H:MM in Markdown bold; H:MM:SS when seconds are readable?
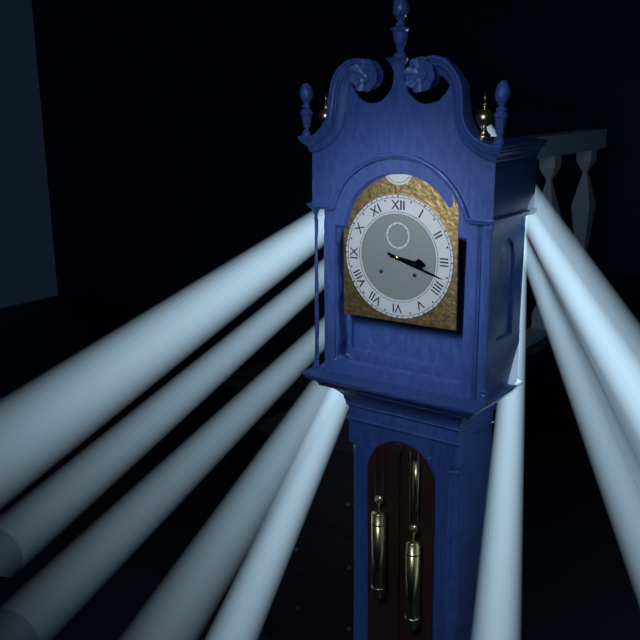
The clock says **3:18**
